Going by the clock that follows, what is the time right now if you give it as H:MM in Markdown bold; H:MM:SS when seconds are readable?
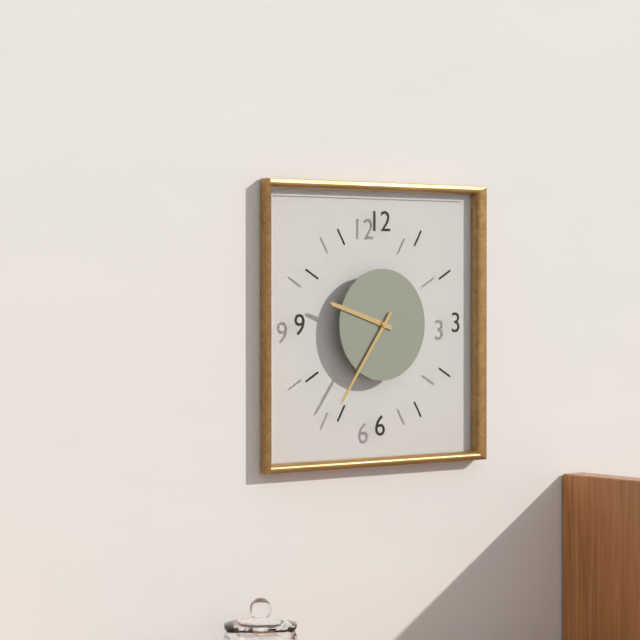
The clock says **9:36**
